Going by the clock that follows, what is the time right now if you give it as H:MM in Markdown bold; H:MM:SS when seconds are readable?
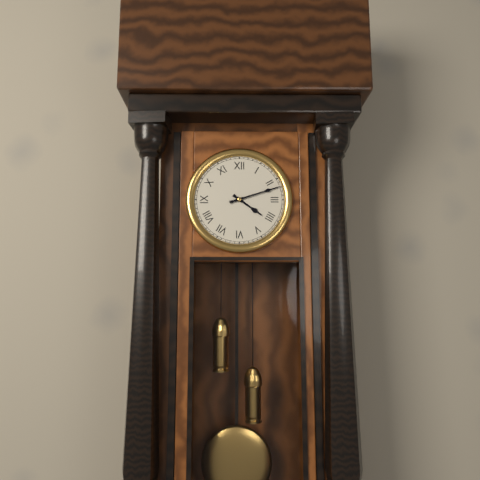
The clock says **4:12**
